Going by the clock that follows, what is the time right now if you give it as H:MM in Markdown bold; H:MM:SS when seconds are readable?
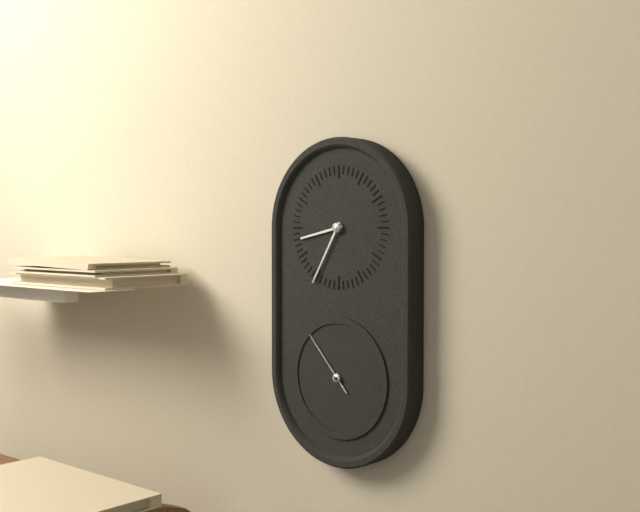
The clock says **8:35:53**
